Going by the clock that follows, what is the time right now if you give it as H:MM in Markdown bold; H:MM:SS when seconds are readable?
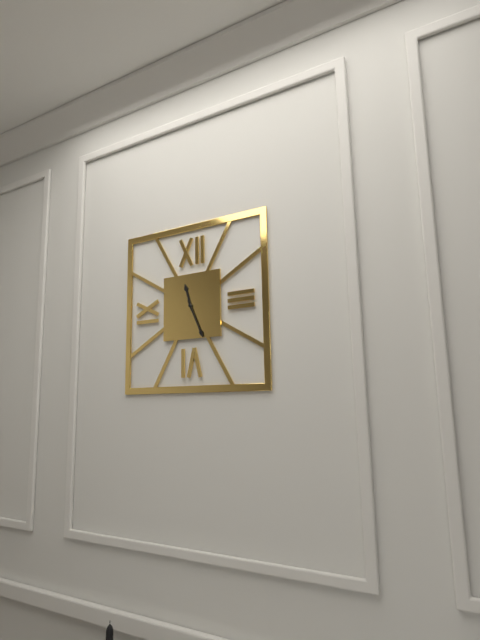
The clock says **11:26**
